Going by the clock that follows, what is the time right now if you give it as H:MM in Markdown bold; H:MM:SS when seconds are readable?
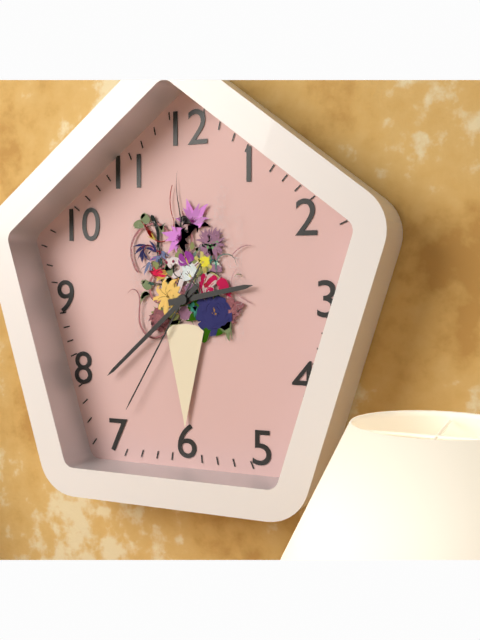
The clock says **2:38:35**
